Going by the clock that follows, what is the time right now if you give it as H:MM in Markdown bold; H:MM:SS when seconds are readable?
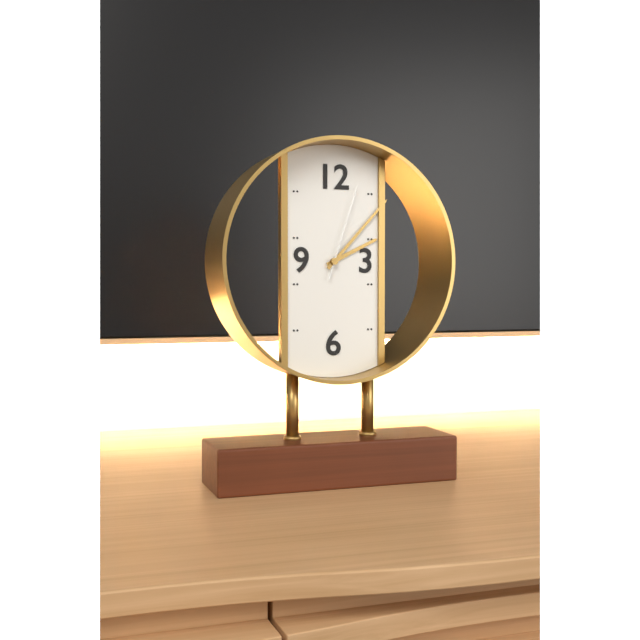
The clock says **2:07:03**
